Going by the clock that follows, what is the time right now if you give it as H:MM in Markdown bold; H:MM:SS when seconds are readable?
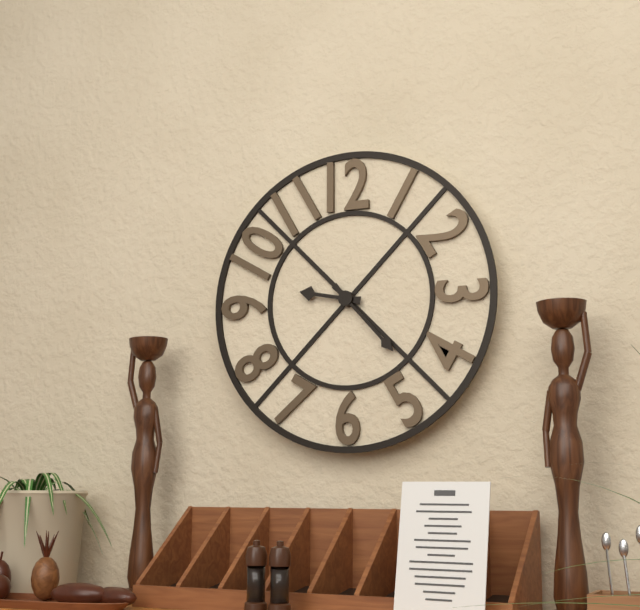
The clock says **9:23**
